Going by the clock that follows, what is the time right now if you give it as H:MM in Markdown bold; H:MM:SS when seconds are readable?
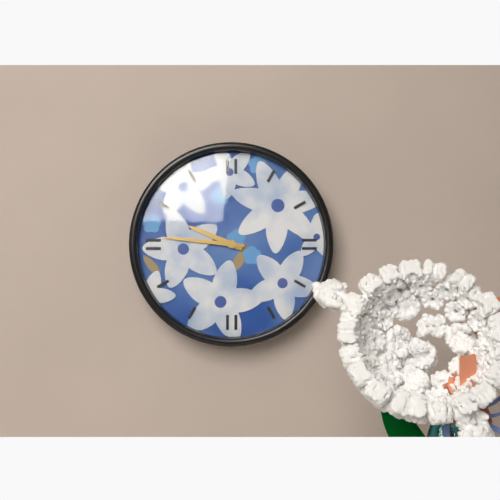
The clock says **9:46**
